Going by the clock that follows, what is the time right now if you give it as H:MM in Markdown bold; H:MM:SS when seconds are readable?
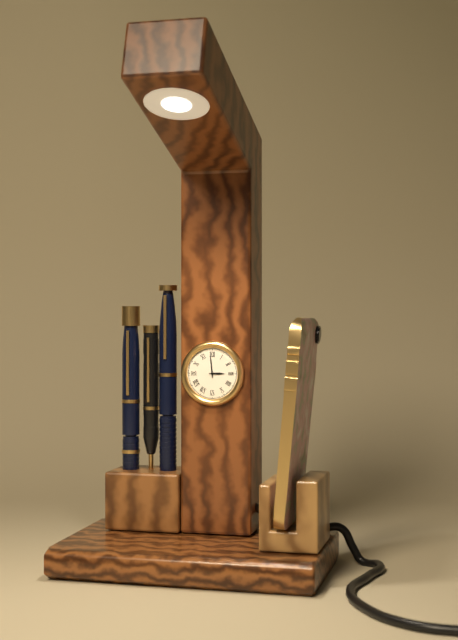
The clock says **2:59**
